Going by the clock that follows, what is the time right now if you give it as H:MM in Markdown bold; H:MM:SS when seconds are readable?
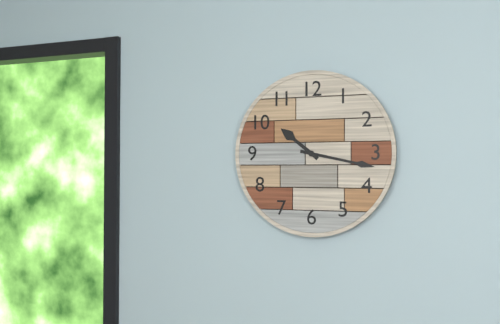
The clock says **10:17**
